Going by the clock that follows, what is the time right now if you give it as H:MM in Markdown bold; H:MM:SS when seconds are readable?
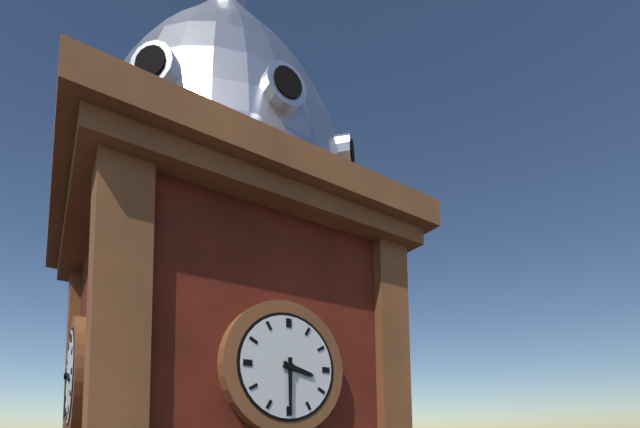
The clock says **3:30**
